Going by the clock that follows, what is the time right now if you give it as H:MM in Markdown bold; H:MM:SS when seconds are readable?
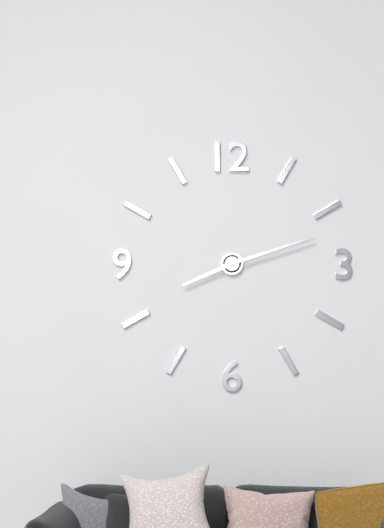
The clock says **8:12**
